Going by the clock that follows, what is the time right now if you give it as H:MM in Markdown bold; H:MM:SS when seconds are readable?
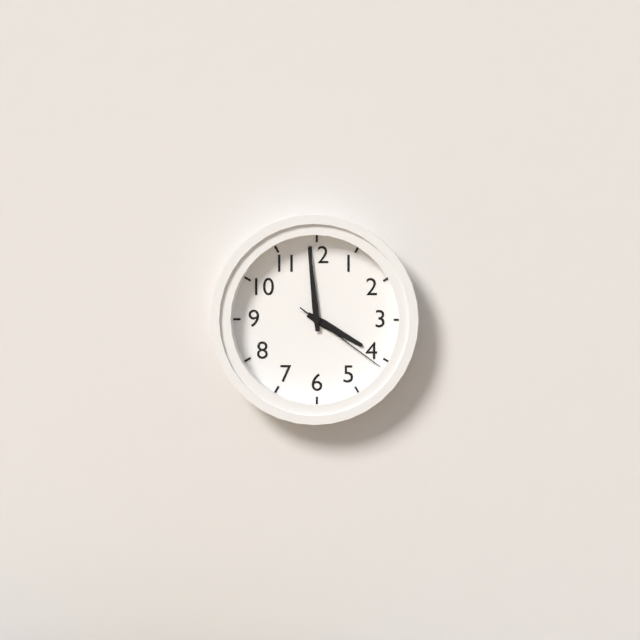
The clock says **3:59:21**
